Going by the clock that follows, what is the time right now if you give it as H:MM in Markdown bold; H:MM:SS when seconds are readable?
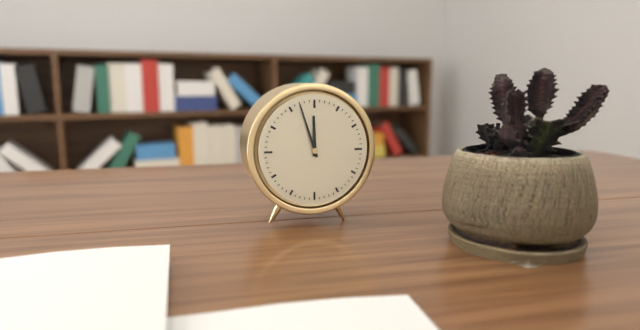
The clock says **11:57**
